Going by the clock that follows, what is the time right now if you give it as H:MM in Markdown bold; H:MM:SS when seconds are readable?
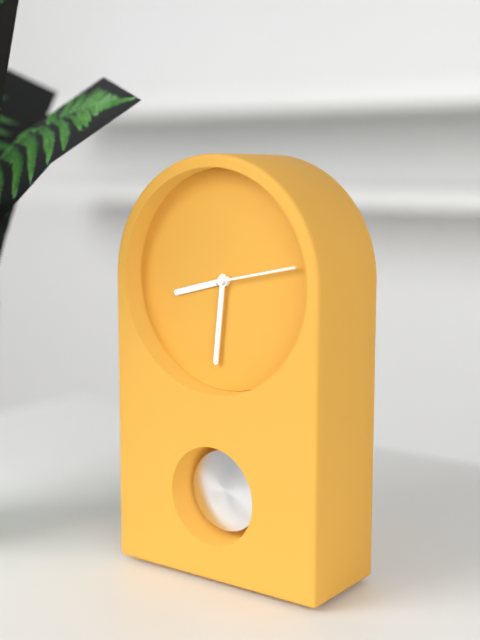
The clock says **8:31:13**
